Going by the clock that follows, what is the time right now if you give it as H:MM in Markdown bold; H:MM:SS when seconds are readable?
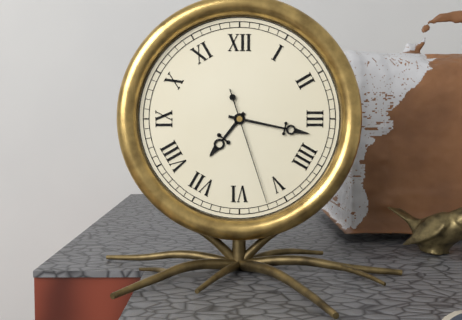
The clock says **7:17:27**
